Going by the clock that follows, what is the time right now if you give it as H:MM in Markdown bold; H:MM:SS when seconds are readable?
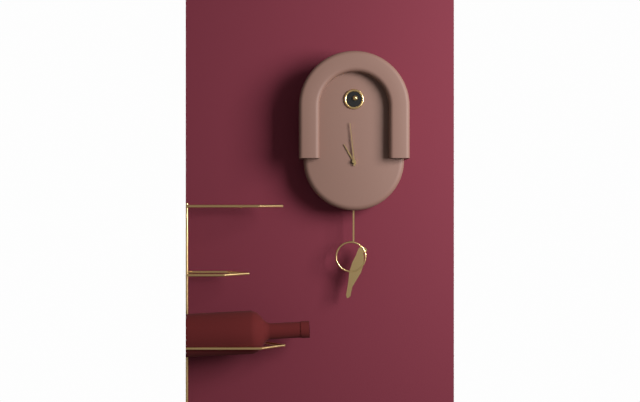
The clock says **10:59**
